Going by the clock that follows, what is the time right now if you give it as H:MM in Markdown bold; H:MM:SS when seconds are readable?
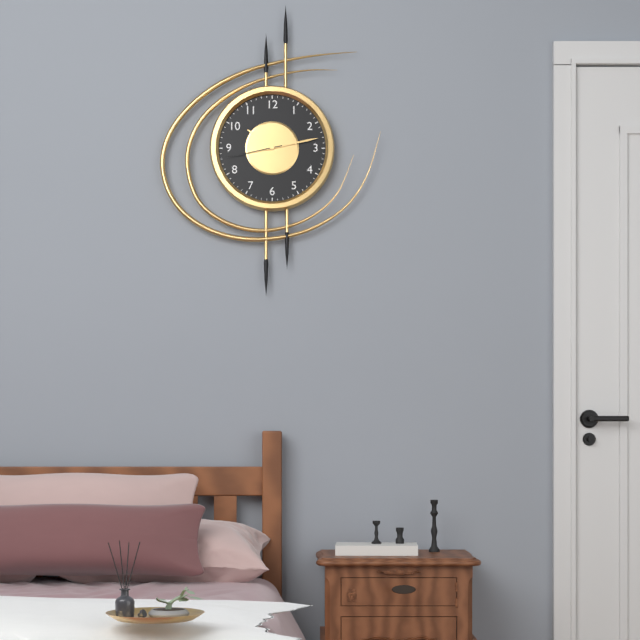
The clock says **10:13:43**
